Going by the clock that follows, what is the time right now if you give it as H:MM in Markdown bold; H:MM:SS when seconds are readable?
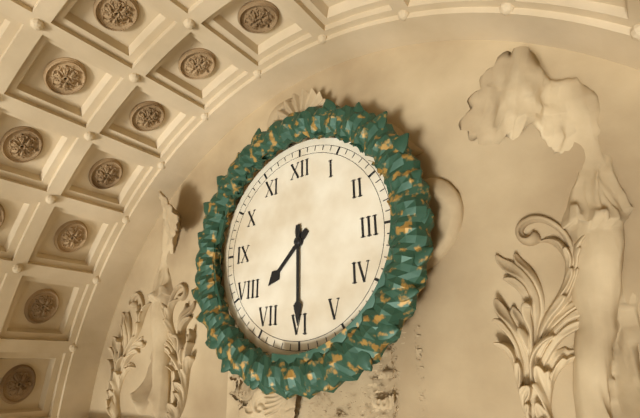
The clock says **7:30**
